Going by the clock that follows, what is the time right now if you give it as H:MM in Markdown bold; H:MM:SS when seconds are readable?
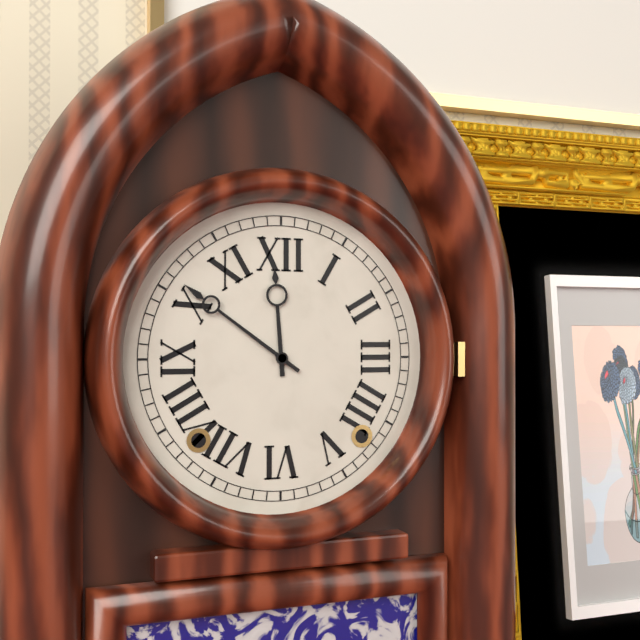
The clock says **11:51**
